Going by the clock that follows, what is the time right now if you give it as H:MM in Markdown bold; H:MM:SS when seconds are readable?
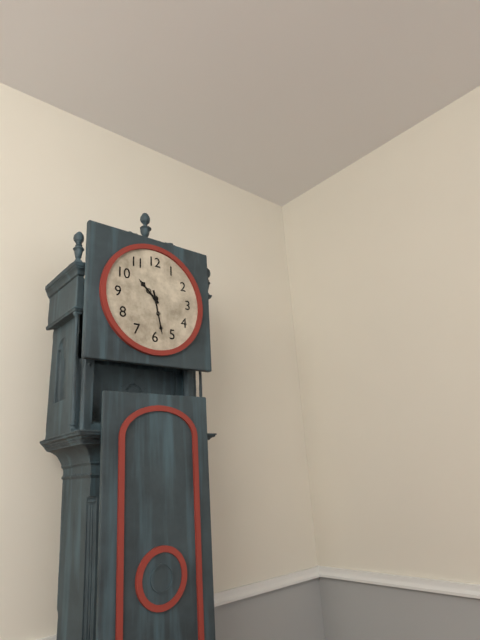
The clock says **10:28**
